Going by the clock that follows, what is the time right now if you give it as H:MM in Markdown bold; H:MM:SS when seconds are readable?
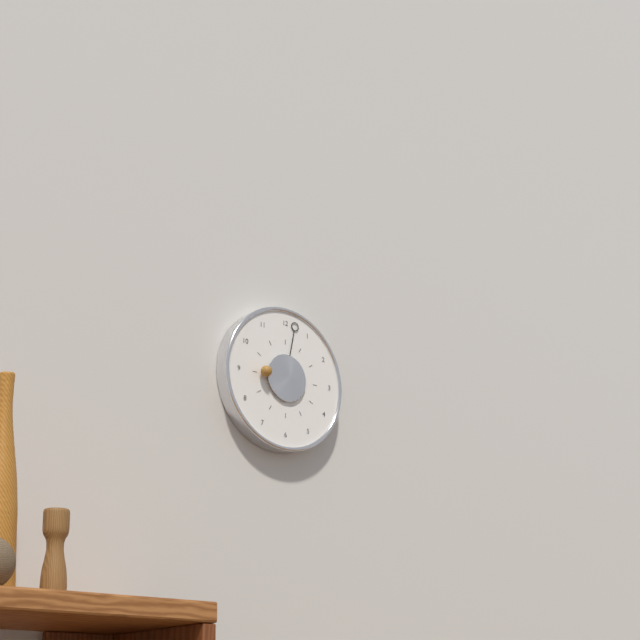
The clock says **9:02**
